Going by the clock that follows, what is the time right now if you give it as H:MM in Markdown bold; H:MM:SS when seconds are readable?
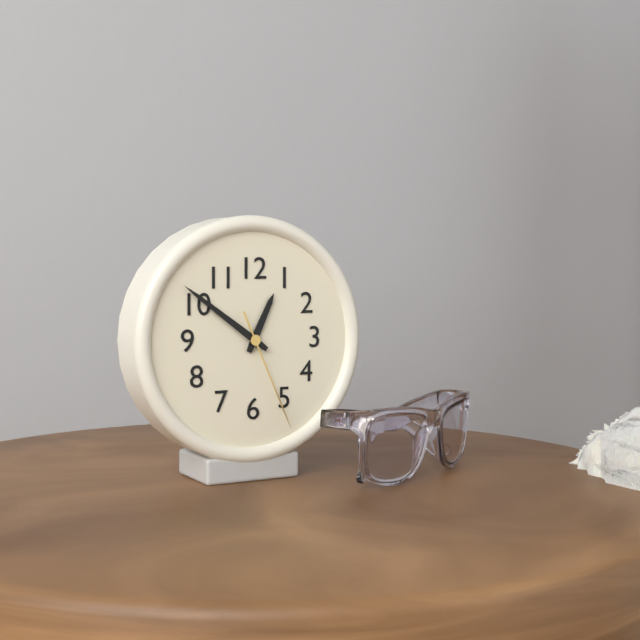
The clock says **12:51:26**
